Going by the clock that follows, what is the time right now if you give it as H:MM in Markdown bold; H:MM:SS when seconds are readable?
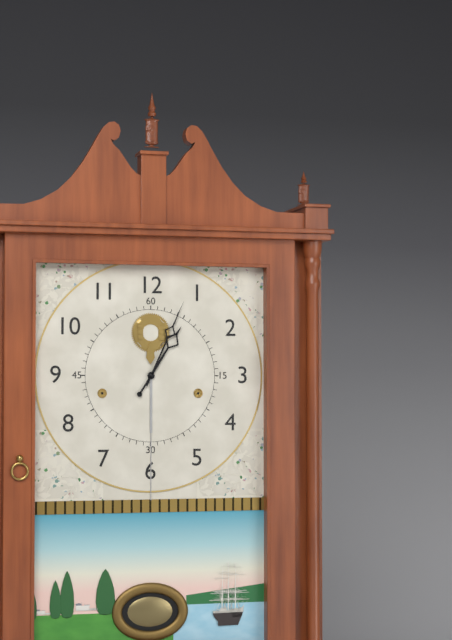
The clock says **1:04**
